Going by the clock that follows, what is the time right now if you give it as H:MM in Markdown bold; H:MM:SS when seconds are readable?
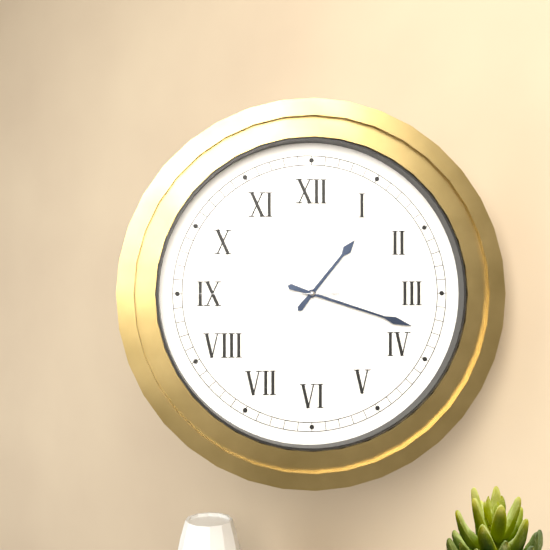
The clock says **1:18:45**
